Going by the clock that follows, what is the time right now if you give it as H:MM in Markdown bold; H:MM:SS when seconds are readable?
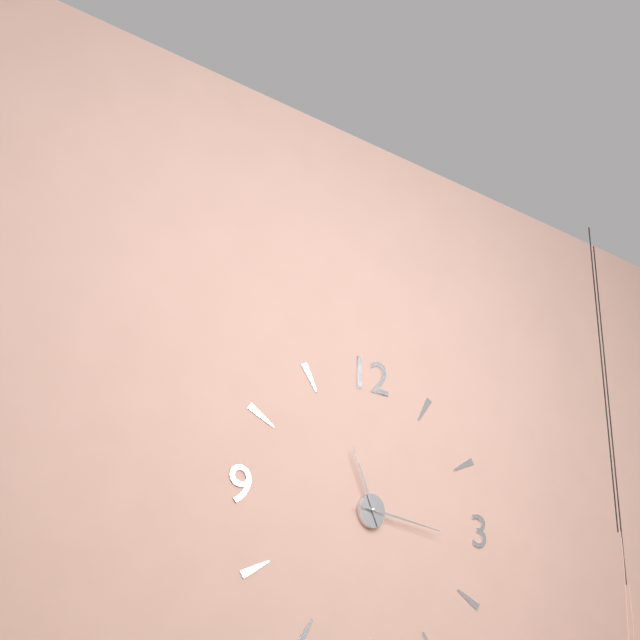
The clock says **11:16**
